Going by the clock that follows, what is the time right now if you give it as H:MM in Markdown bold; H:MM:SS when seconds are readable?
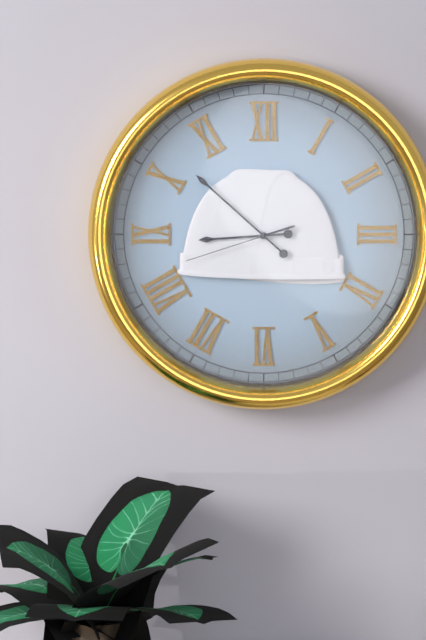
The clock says **8:52:42**
